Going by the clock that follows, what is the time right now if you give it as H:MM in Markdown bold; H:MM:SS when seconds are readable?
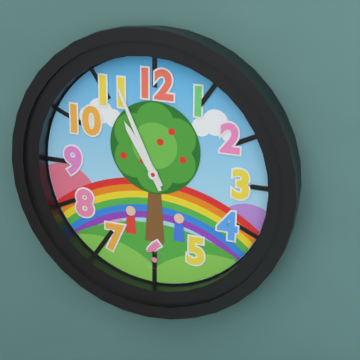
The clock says **10:56**
